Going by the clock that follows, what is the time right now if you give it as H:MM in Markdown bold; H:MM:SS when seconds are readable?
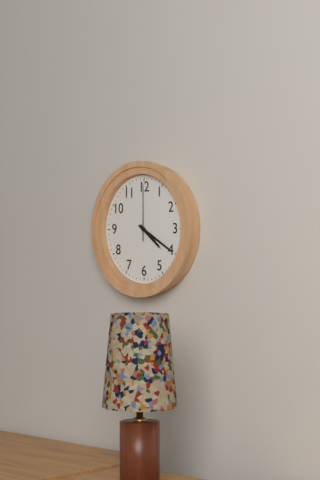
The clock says **4:20:00**
